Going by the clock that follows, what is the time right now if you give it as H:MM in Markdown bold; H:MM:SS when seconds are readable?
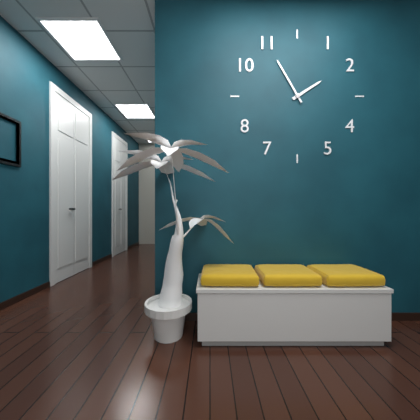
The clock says **1:55**
